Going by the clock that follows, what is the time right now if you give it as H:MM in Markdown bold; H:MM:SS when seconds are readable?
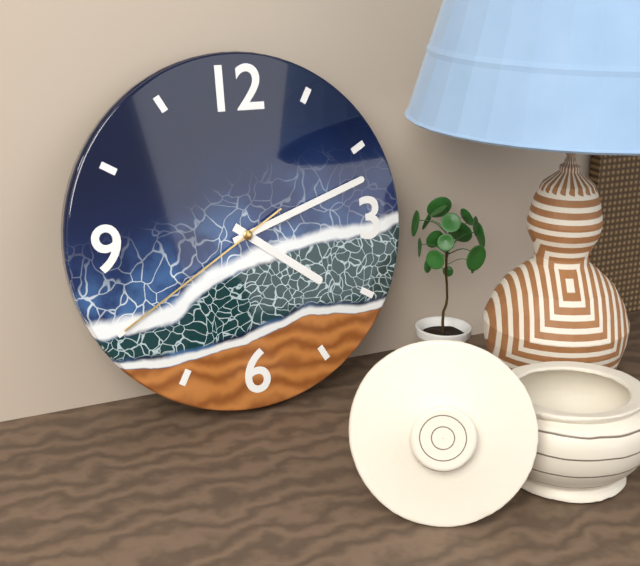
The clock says **4:12:40**
